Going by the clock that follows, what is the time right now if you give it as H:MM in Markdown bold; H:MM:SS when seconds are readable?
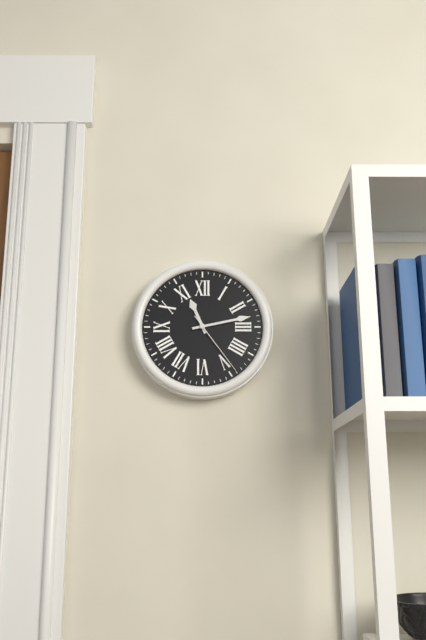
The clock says **11:13:24**
